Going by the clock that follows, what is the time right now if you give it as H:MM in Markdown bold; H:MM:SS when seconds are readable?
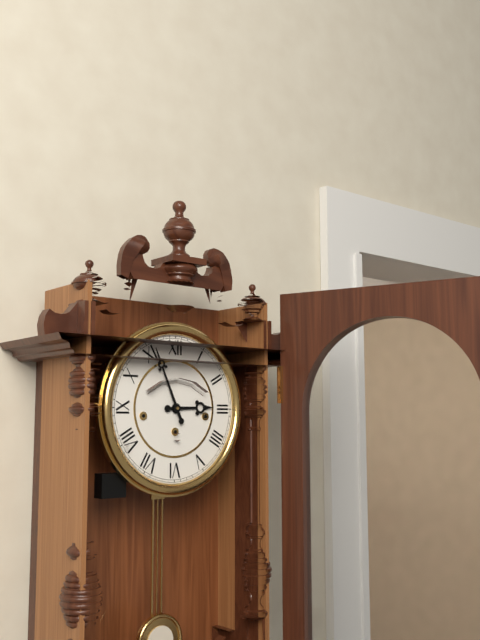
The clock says **2:56**
